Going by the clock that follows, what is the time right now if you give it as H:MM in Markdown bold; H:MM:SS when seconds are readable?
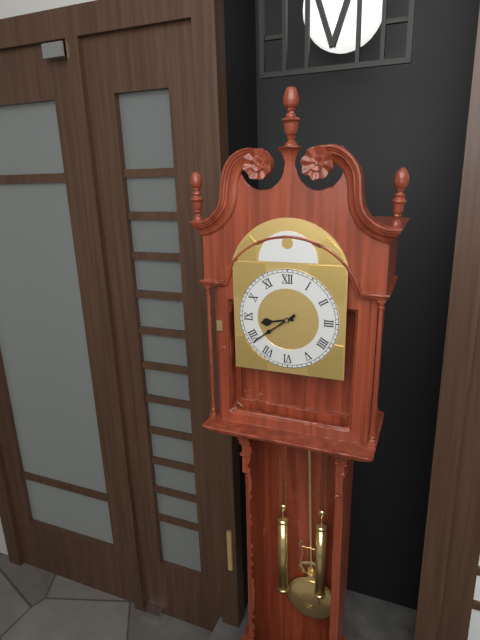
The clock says **8:39**
